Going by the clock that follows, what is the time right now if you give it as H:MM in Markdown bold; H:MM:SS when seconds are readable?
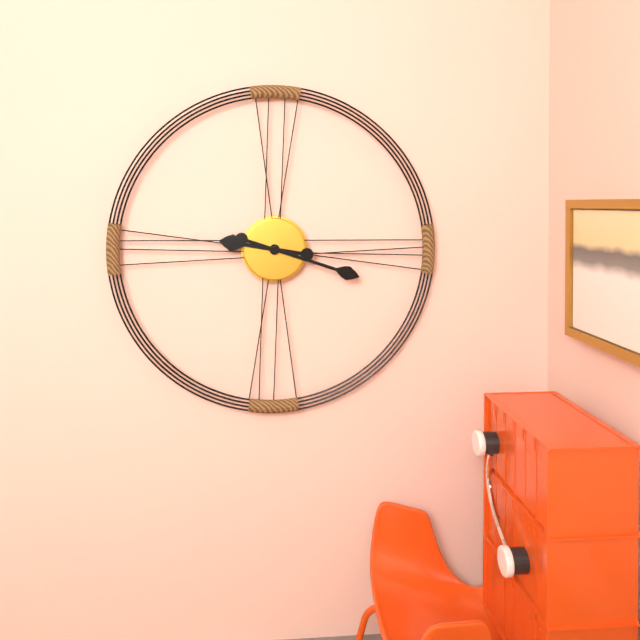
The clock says **9:18**
